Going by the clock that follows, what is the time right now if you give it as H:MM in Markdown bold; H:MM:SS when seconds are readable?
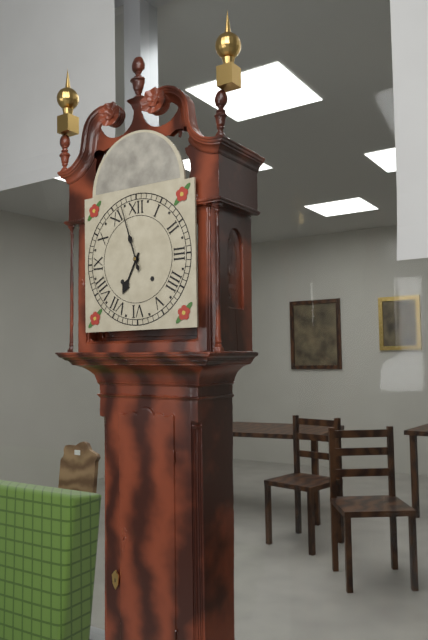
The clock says **6:57**
